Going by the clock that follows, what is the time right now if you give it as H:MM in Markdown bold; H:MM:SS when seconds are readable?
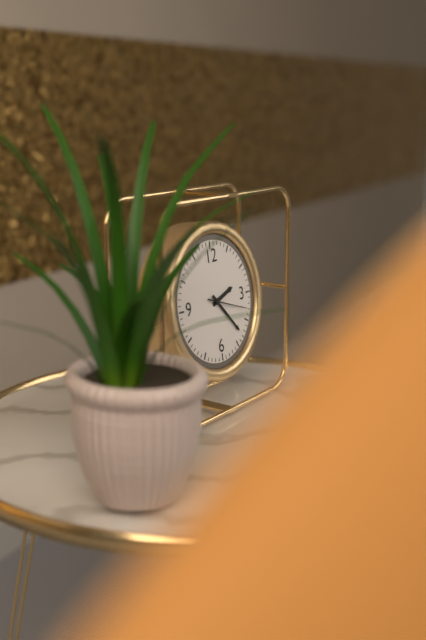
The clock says **2:23**
